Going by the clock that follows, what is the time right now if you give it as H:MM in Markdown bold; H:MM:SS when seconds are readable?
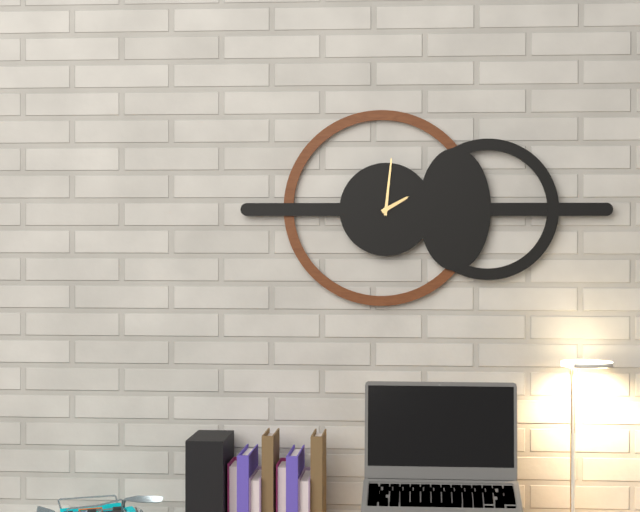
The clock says **2:01**
